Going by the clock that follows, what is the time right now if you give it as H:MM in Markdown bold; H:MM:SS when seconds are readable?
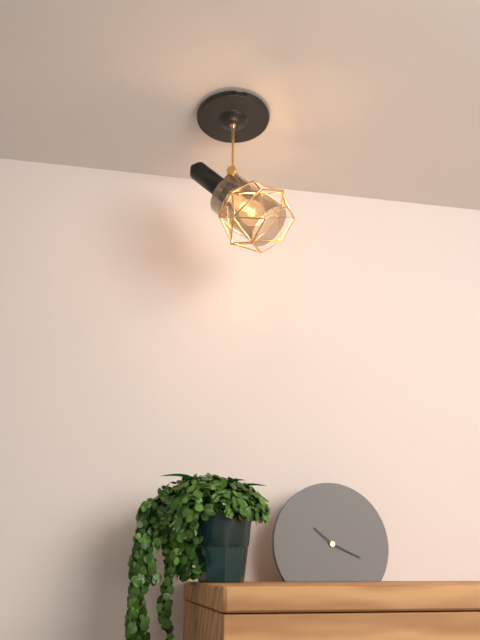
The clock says **10:19**
